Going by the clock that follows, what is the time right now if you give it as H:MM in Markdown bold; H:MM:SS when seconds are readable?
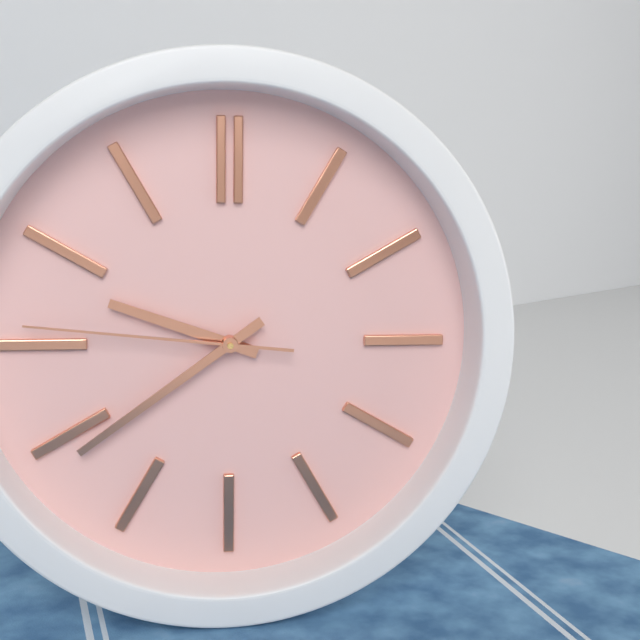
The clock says **9:39:46**
